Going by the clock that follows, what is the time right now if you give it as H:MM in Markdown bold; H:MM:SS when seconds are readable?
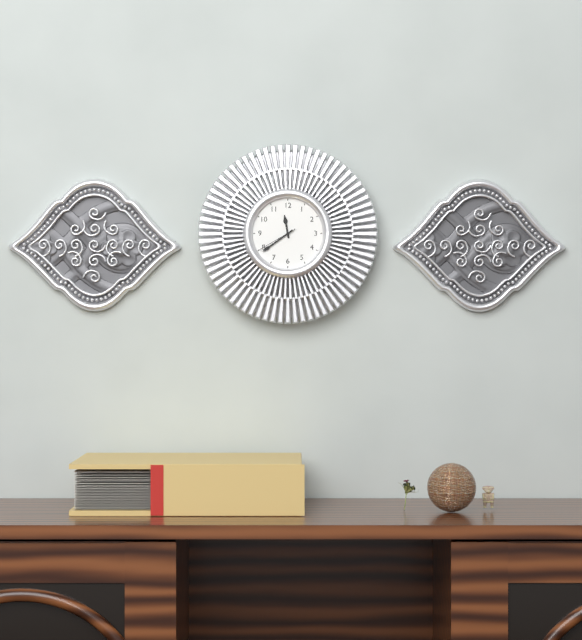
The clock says **11:39**
